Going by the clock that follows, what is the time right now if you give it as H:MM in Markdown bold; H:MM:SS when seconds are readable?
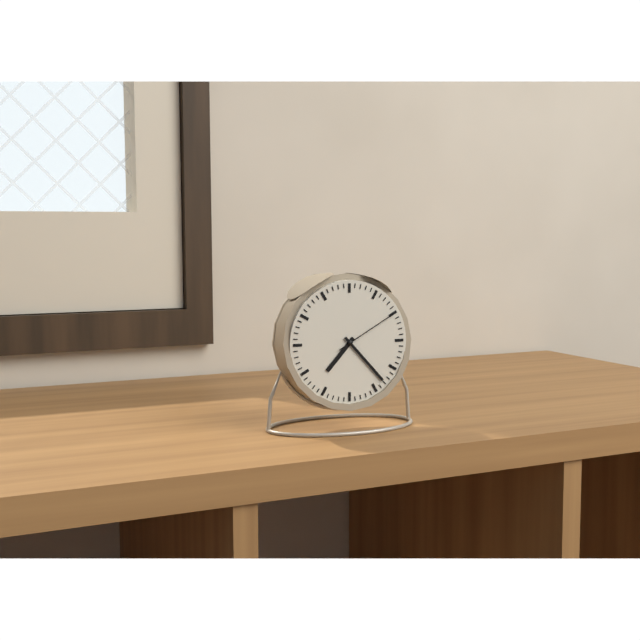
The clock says **7:23:10**
